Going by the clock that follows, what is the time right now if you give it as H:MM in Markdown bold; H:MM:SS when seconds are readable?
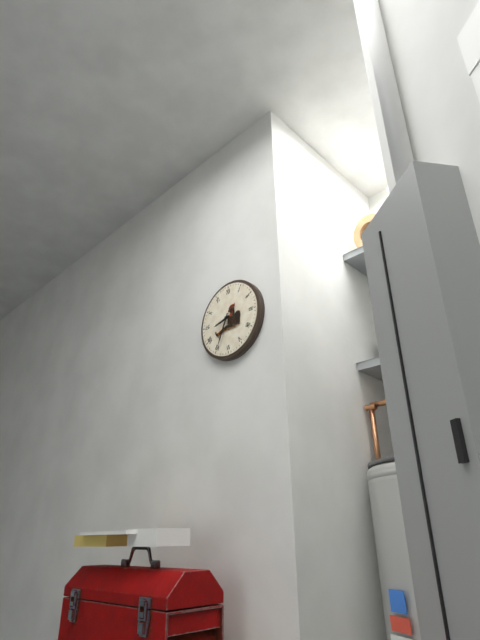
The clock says **8:34**
